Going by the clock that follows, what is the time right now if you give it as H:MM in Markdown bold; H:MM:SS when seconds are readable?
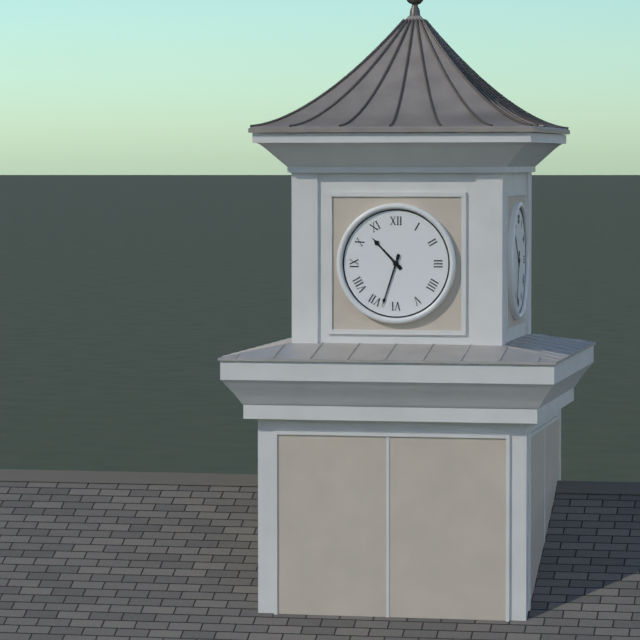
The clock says **10:33**
